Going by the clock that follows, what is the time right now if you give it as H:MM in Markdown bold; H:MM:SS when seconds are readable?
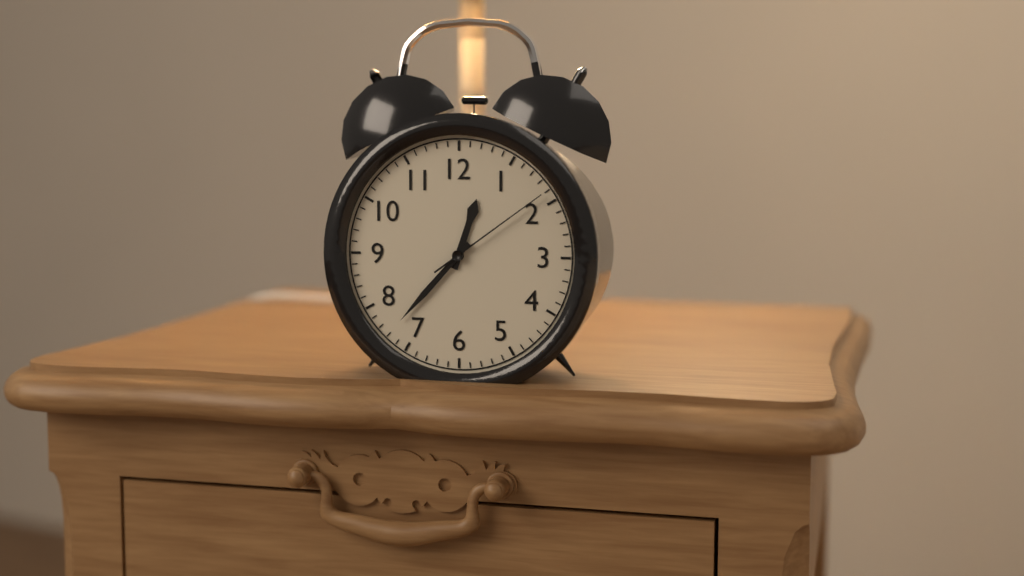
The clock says **12:37:09**
